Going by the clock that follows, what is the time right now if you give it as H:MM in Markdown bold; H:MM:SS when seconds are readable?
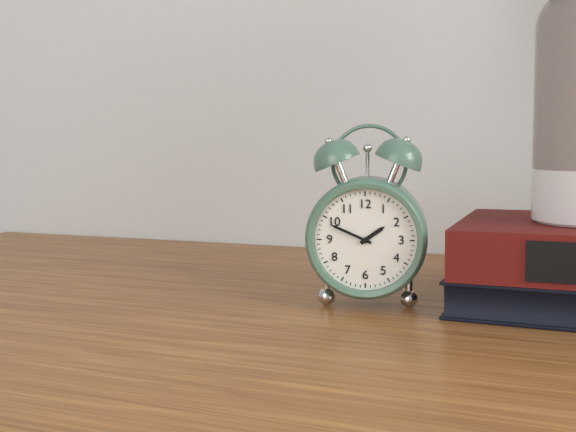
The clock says **1:49**
